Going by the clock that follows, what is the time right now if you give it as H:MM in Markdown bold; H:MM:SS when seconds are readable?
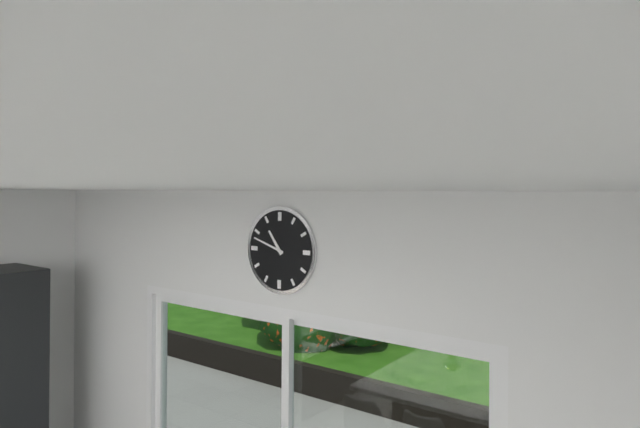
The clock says **10:48**
